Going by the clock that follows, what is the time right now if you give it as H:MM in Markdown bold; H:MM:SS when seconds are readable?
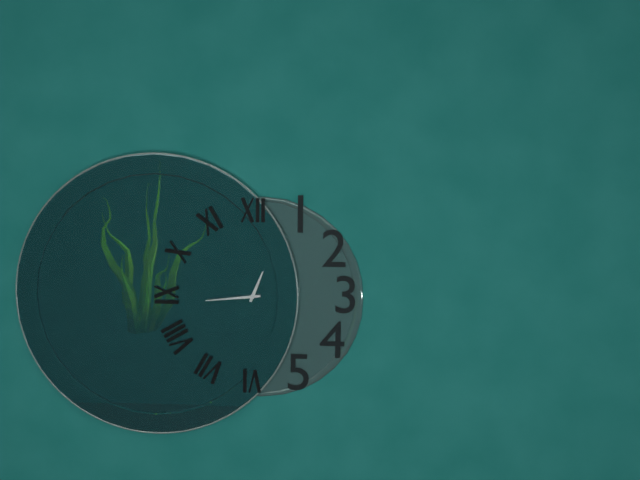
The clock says **12:44**
